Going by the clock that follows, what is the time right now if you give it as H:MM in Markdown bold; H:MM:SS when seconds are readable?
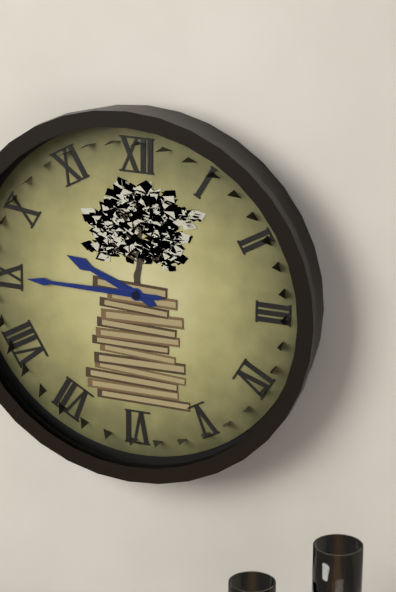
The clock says **9:45**
